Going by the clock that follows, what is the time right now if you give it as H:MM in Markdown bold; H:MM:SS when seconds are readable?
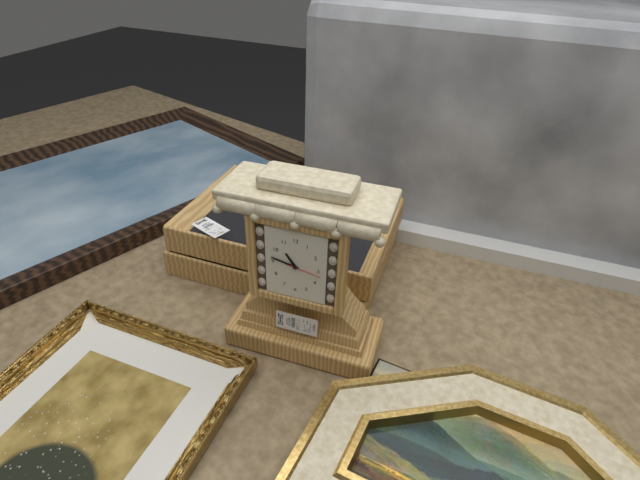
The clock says **10:47**
